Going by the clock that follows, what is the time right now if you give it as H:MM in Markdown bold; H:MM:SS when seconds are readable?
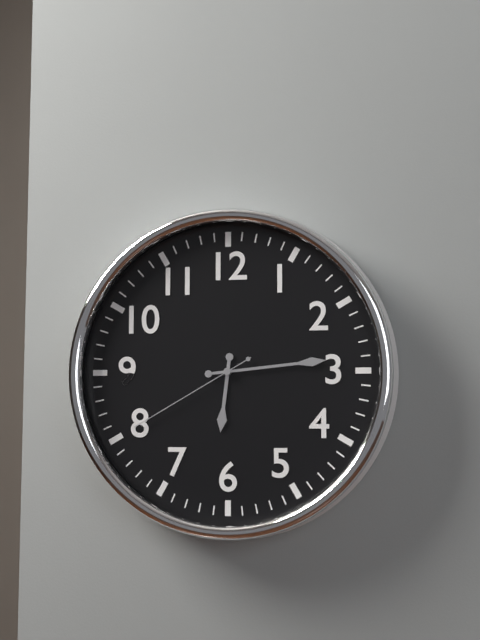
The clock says **6:14:40**
